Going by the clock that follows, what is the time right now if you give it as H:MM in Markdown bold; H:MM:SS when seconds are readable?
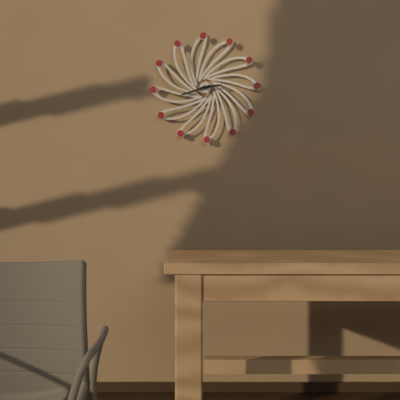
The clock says **2:42**
